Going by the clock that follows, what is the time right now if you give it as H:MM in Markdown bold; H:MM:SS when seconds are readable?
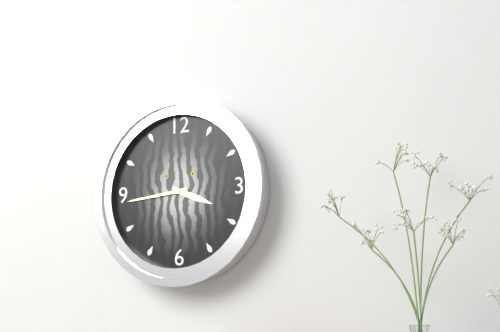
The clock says **3:44**
